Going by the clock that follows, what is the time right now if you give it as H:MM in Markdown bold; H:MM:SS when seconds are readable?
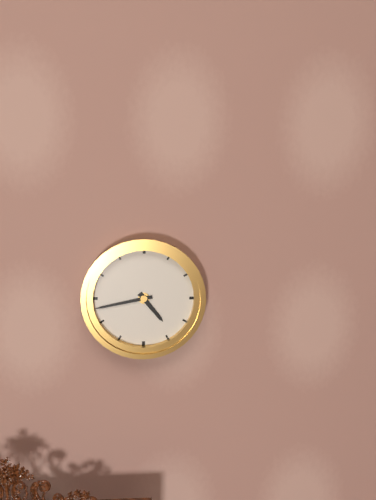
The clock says **4:43**
